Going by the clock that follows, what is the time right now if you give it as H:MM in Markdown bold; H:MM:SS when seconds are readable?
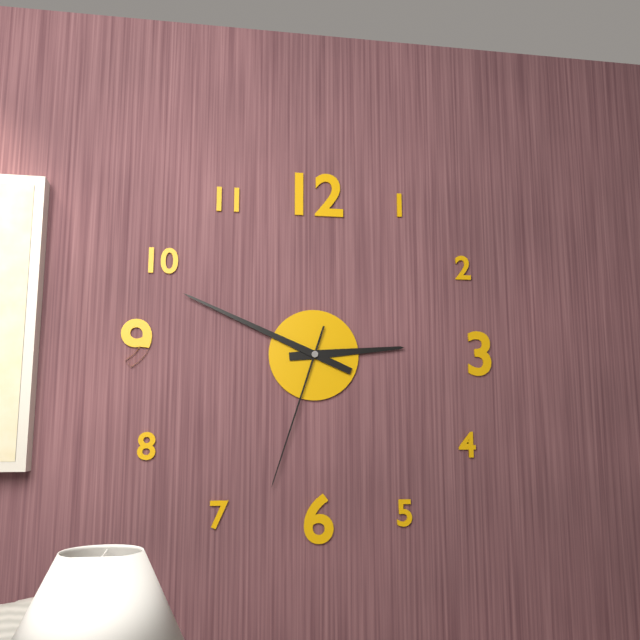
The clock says **2:49:33**
